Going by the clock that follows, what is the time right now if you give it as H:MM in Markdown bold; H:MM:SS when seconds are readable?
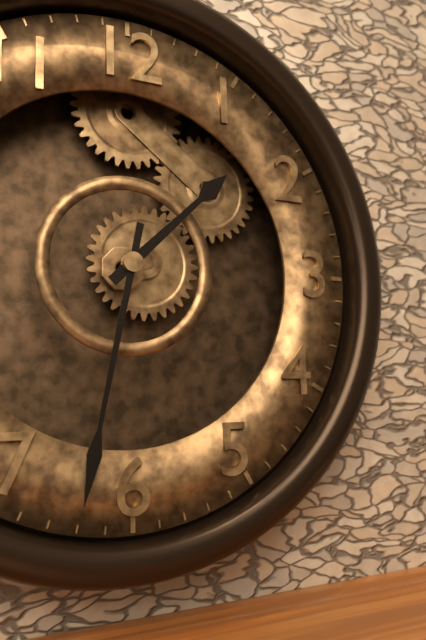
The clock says **1:32**
